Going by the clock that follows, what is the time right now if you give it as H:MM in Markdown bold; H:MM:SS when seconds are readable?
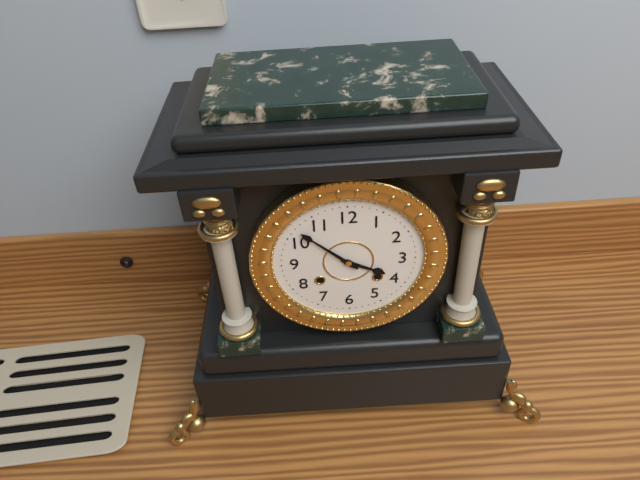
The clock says **3:52**
